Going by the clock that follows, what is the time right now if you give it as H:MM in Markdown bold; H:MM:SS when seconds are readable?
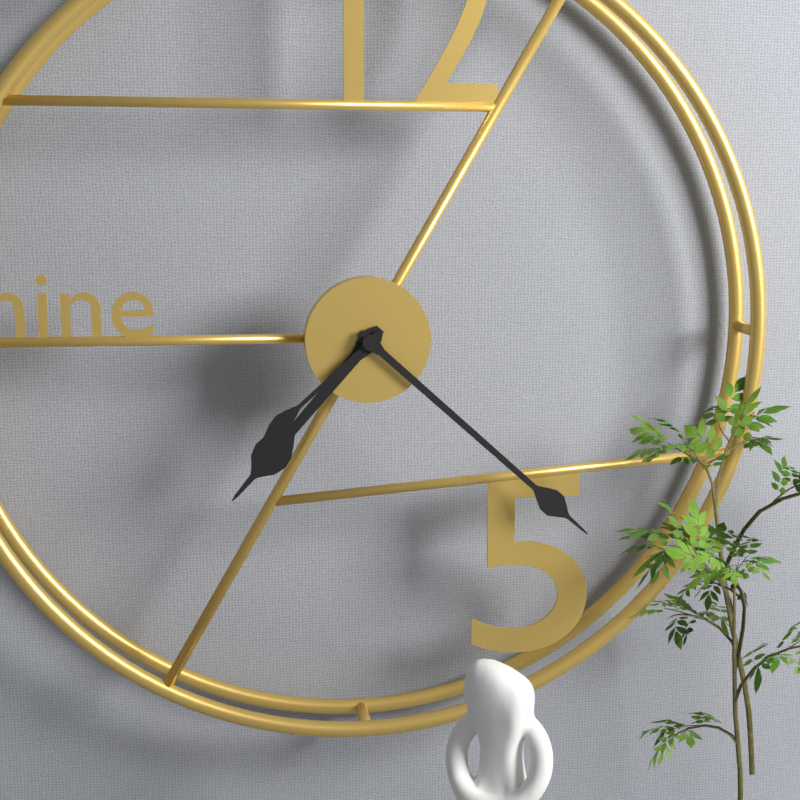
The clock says **7:22:38**
